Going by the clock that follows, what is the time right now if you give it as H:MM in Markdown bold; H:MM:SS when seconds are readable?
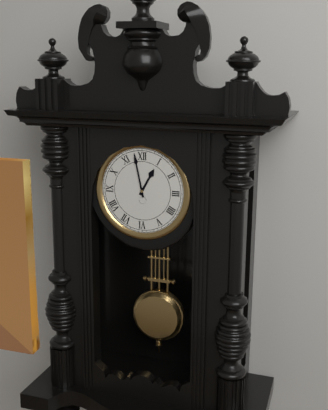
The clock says **12:58**
